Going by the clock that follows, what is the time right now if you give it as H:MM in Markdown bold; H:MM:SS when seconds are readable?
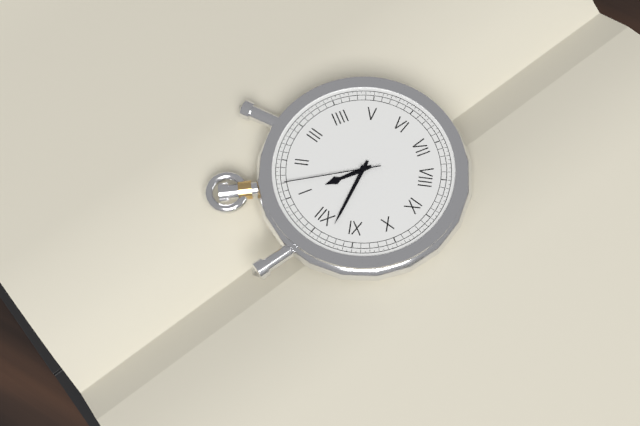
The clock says **12:58:07**
